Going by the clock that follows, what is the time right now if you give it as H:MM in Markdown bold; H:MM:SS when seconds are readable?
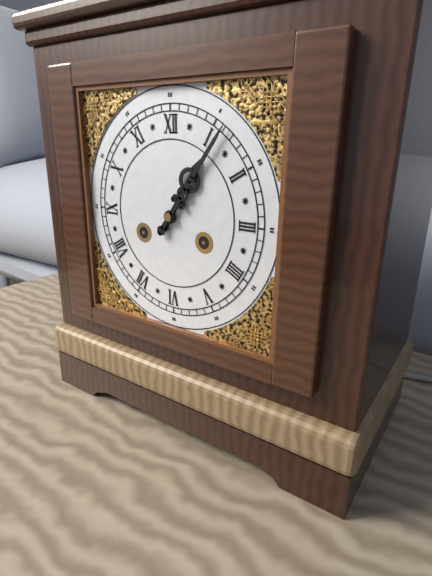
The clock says **1:06**
